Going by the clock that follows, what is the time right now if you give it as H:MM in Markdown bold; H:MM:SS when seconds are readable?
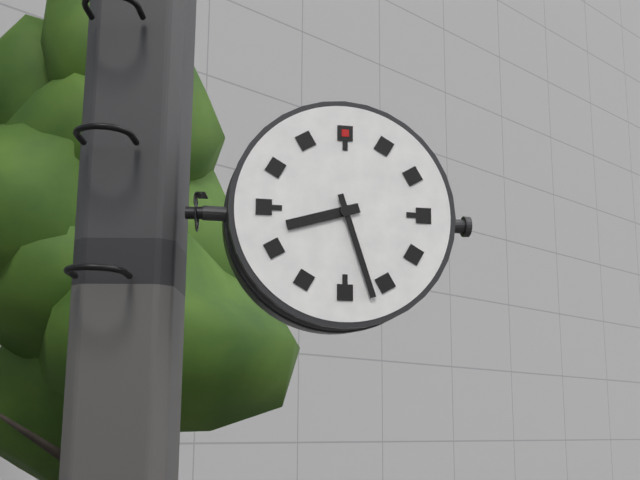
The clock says **8:27**
